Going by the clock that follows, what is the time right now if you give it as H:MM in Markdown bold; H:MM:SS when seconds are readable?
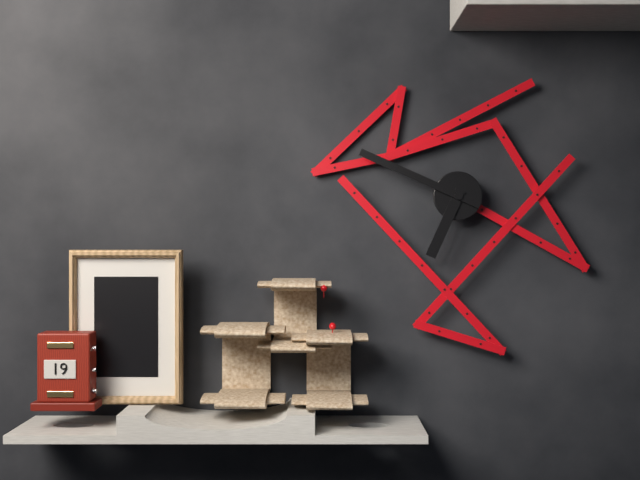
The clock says **6:49**
